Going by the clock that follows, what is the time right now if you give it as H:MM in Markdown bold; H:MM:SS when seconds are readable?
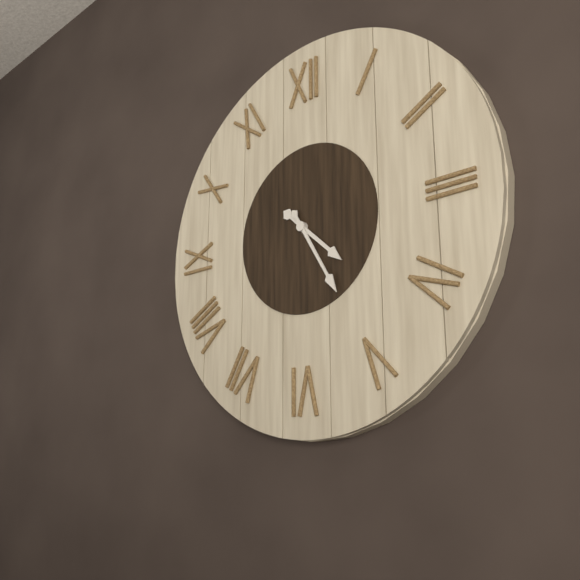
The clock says **4:25**
